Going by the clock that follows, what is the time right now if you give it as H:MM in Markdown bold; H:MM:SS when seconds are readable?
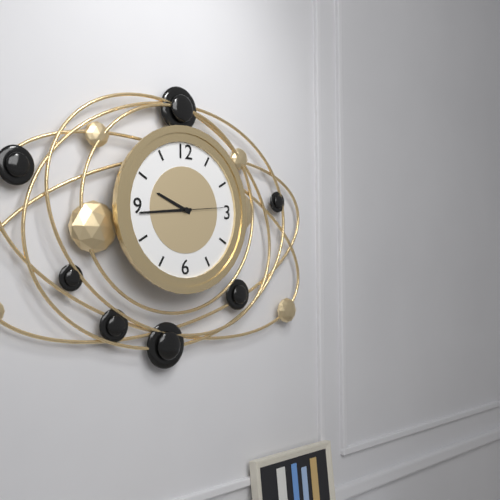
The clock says **9:44**
